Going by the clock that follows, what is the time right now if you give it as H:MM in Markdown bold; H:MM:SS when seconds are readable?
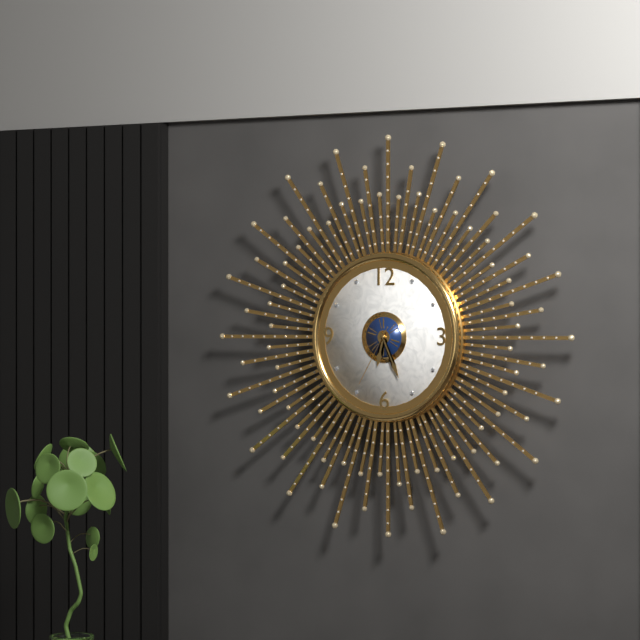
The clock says **6:26:35**
